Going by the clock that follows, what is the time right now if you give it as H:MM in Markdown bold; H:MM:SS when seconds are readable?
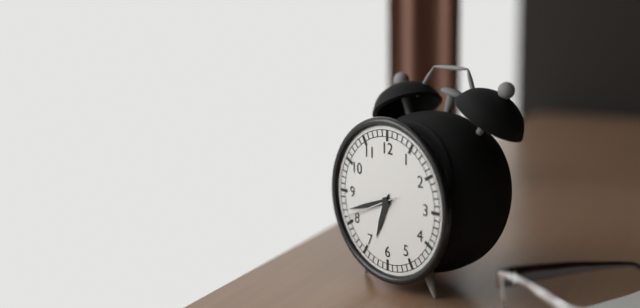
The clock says **6:42:41**
